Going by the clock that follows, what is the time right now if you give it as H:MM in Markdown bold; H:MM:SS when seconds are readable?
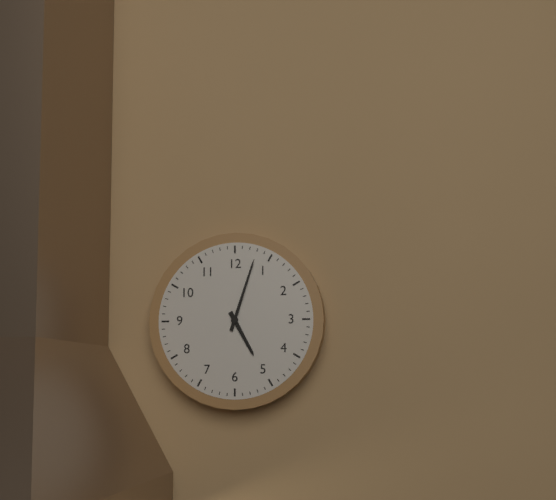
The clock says **5:03**
